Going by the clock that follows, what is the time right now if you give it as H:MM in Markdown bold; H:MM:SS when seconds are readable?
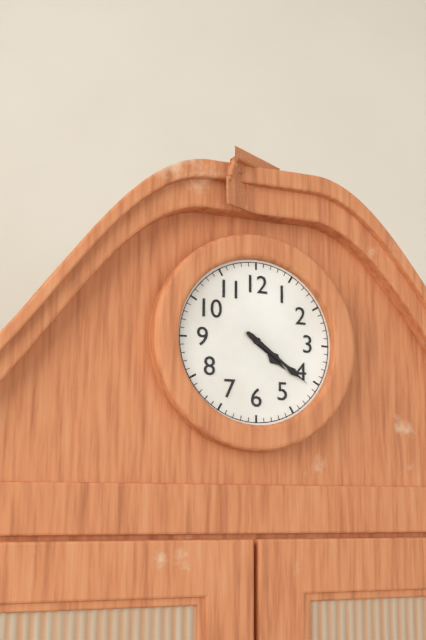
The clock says **4:21**
